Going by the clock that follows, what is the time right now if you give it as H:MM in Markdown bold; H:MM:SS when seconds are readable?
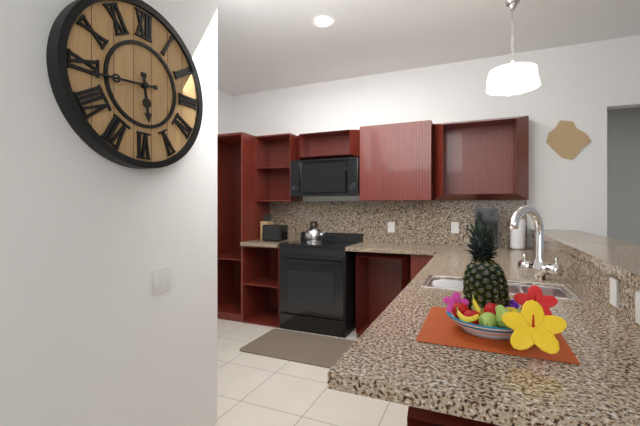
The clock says **5:44**
